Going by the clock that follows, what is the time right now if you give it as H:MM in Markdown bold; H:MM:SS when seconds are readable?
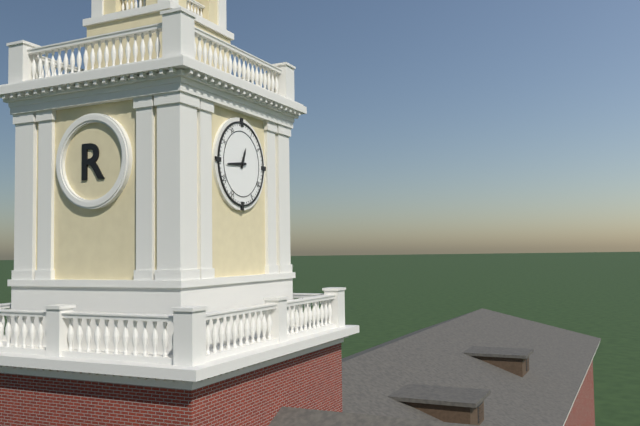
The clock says **12:44**
